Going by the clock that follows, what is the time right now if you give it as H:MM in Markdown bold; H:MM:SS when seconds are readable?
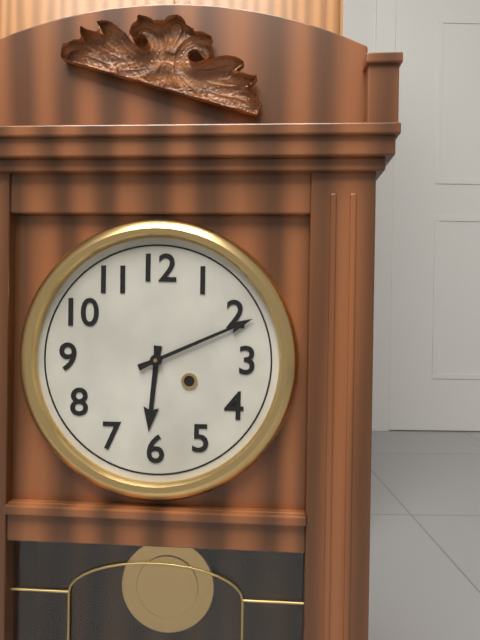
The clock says **6:11**
